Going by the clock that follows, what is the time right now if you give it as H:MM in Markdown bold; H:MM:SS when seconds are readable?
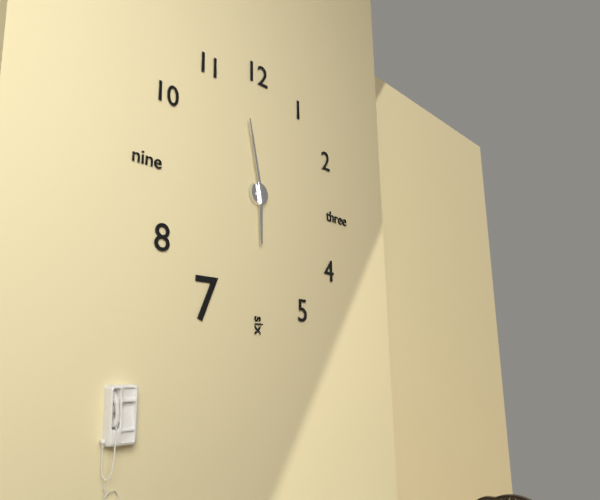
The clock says **5:58**
